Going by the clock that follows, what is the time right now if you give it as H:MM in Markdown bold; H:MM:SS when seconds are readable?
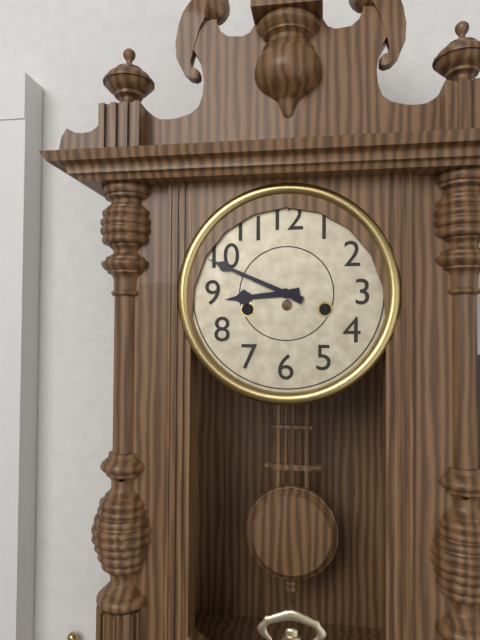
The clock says **8:49**
